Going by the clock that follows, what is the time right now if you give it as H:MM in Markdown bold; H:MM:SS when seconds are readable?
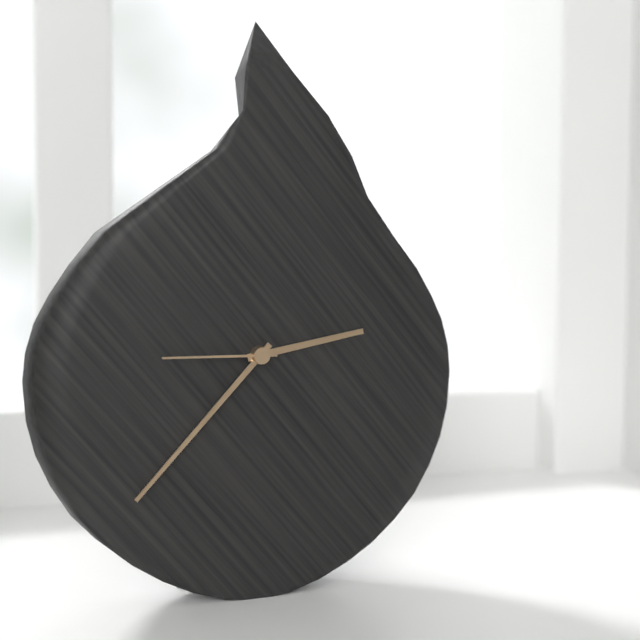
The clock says **2:37:45**
